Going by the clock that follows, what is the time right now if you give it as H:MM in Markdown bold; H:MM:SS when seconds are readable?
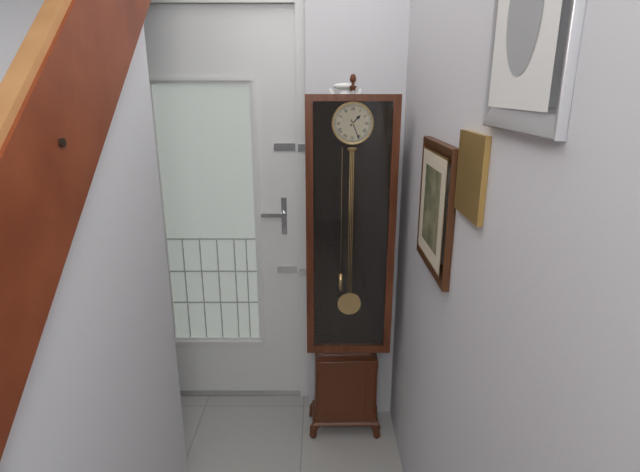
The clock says **1:26**
